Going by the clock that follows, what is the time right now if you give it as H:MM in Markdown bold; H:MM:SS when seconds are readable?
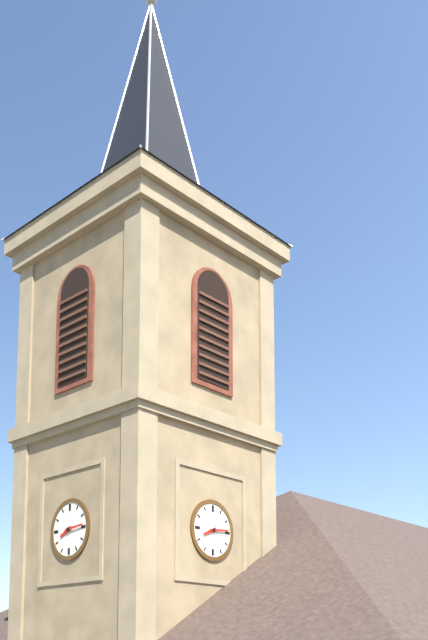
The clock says **8:14**
